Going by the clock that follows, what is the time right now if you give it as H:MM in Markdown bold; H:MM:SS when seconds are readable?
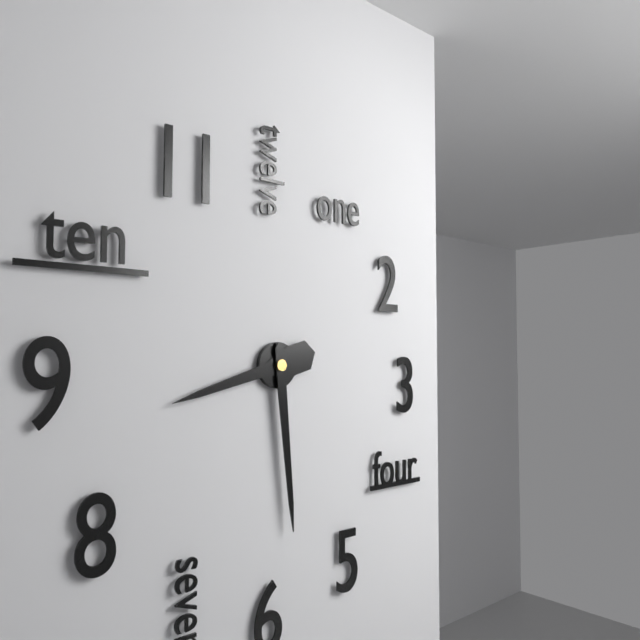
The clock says **8:29**
